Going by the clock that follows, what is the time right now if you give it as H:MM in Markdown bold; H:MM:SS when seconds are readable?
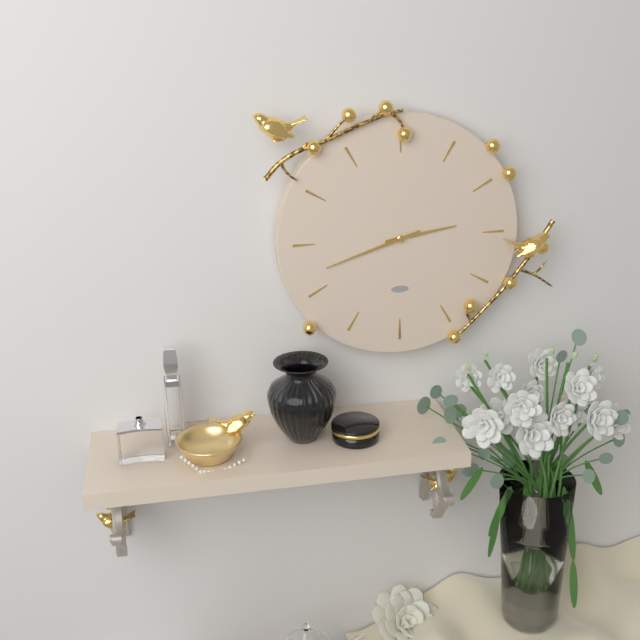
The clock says **2:42**
